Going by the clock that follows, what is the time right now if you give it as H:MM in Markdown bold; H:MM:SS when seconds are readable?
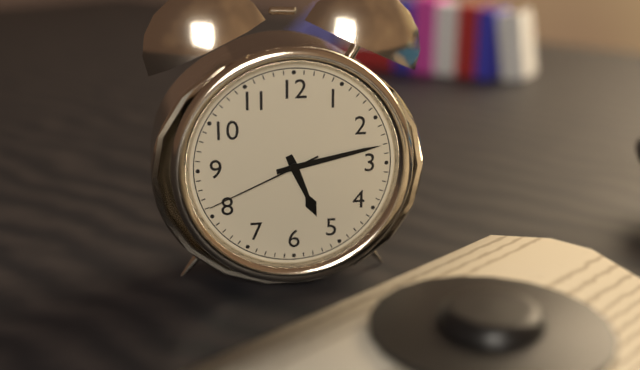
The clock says **5:13:41**
